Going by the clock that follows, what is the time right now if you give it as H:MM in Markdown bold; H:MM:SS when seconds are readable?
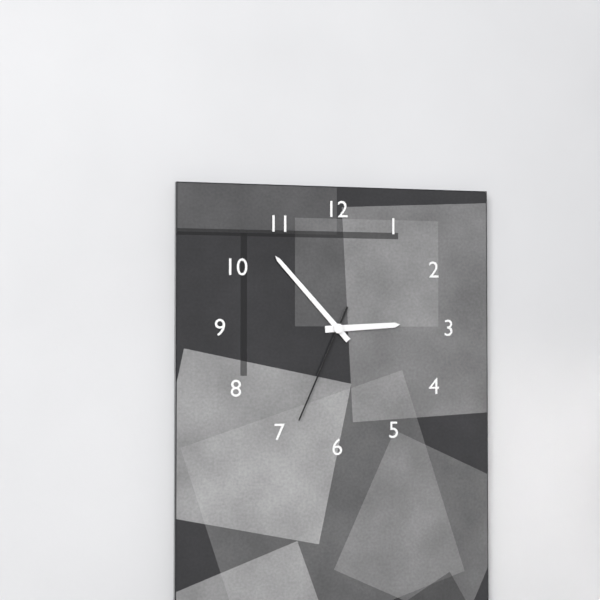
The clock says **2:53:34**
